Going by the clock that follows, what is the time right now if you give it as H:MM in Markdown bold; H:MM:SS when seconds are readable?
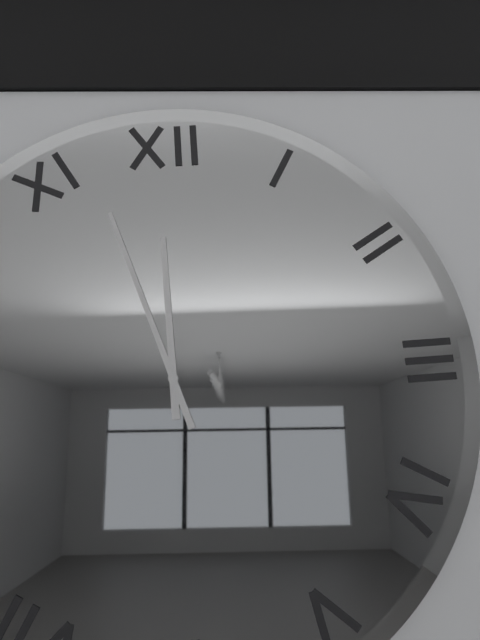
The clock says **11:57**
